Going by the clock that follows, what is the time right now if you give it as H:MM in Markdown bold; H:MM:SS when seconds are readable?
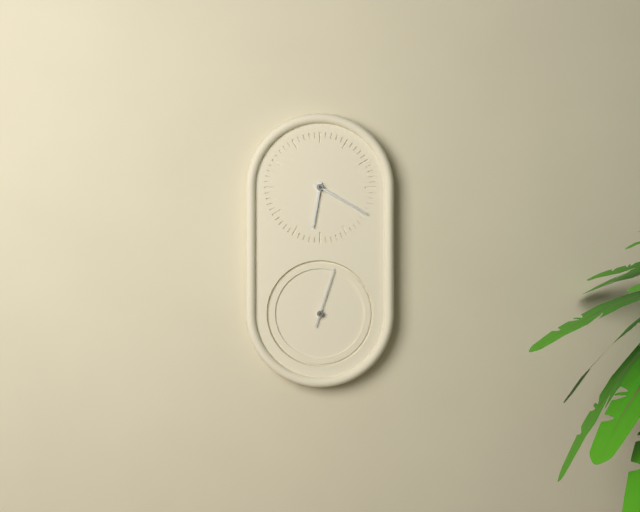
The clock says **6:20:03**
